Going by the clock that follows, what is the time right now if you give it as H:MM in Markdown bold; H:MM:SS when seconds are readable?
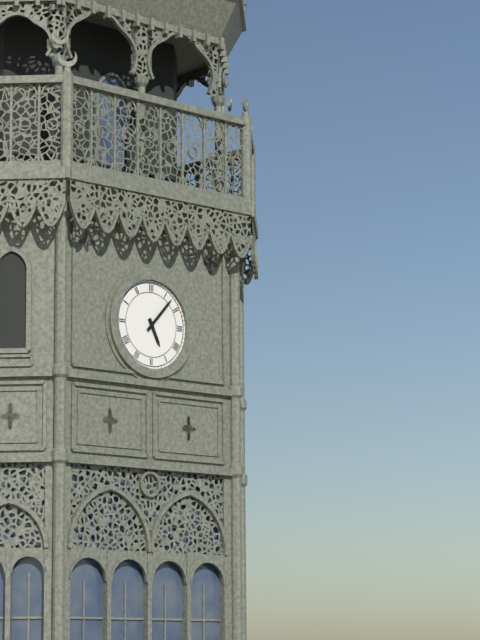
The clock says **5:07**
